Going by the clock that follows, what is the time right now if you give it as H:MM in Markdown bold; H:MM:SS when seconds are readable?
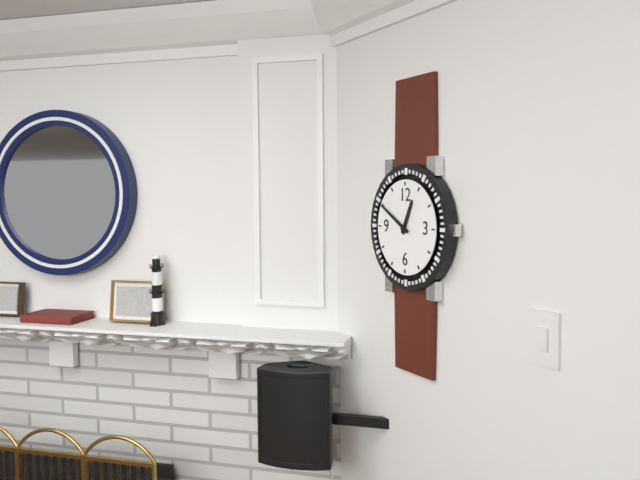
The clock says **12:50**
